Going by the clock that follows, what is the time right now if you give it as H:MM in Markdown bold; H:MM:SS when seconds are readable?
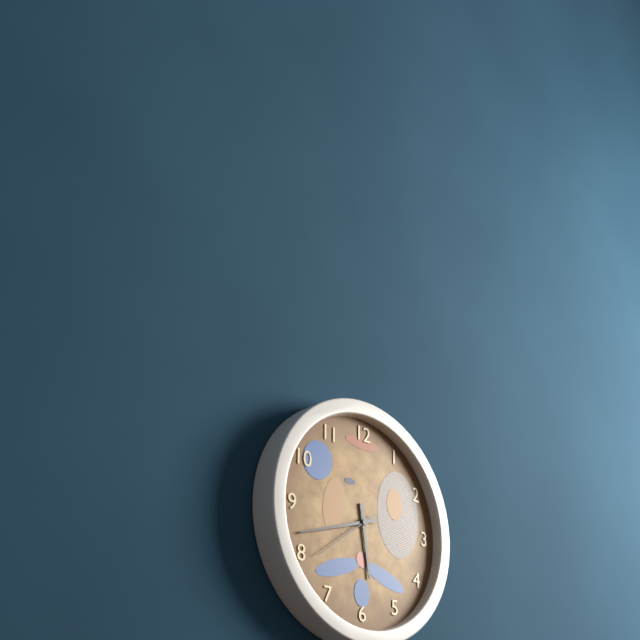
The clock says **5:42:39**
